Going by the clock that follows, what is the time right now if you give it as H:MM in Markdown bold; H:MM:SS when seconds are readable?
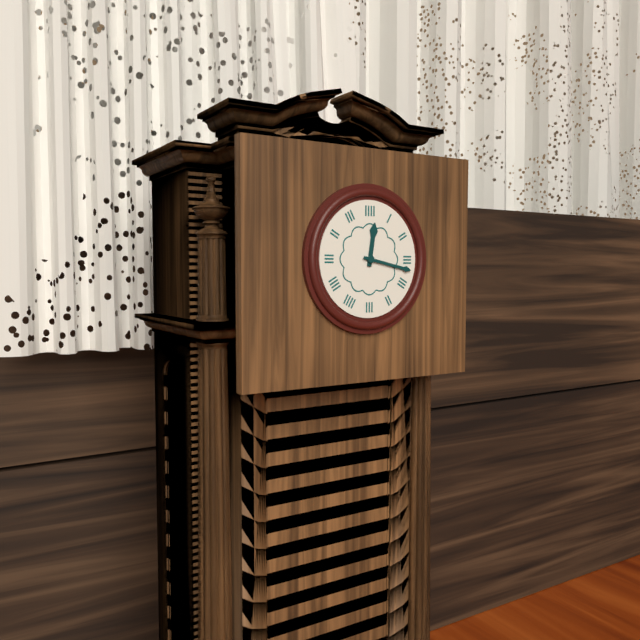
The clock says **12:17**
